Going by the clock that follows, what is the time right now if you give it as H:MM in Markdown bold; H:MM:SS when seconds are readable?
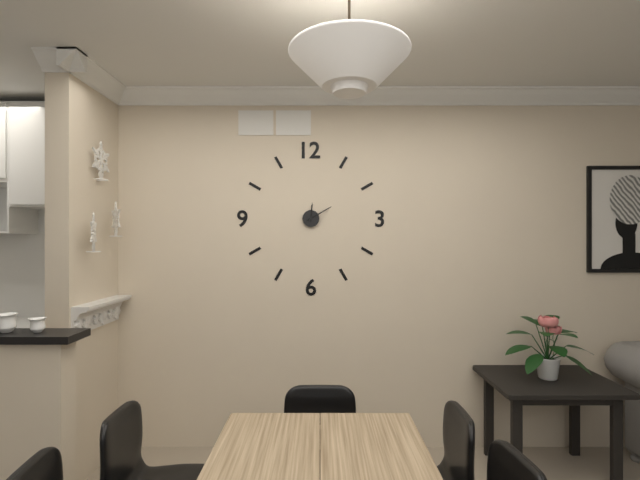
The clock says **12:10**
